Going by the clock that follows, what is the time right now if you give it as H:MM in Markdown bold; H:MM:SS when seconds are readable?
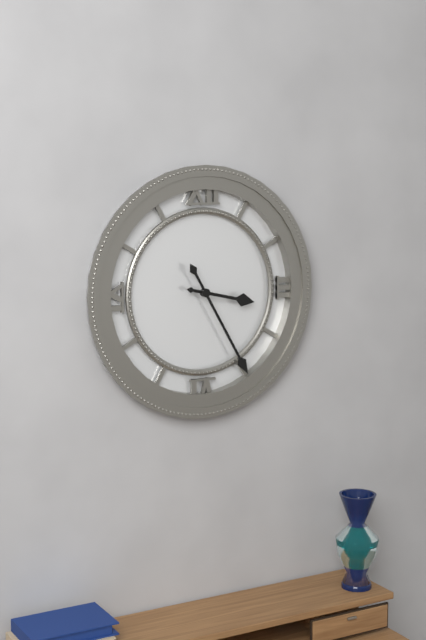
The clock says **3:25**
